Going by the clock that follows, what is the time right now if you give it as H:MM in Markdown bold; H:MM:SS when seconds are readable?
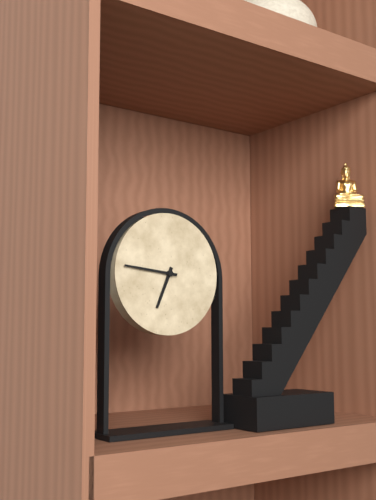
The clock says **6:46**
